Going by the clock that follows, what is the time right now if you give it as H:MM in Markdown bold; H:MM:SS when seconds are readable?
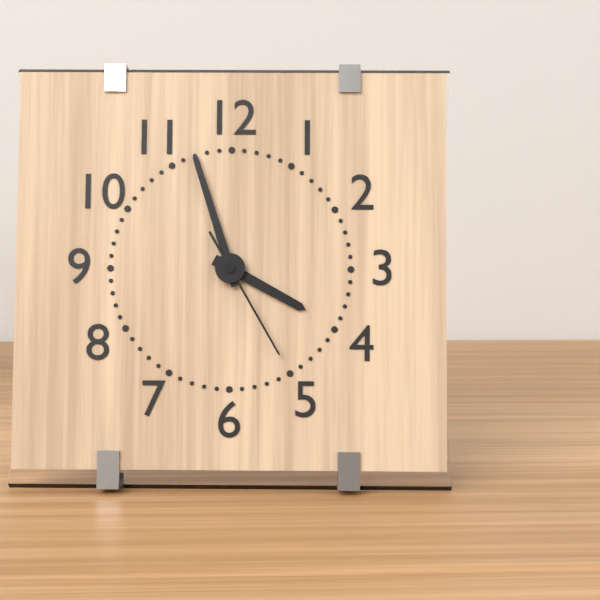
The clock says **3:57:25**
